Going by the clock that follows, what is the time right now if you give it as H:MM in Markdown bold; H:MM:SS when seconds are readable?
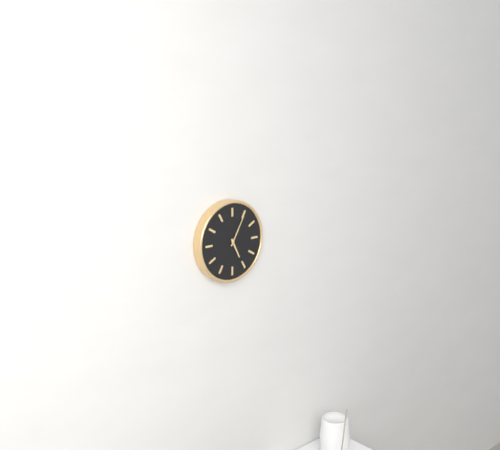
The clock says **5:05**
